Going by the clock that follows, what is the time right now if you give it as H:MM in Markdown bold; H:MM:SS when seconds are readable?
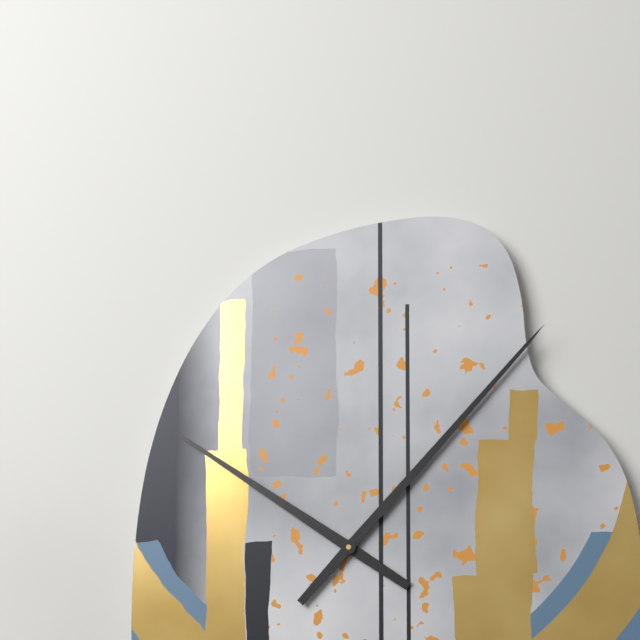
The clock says **10:07**
